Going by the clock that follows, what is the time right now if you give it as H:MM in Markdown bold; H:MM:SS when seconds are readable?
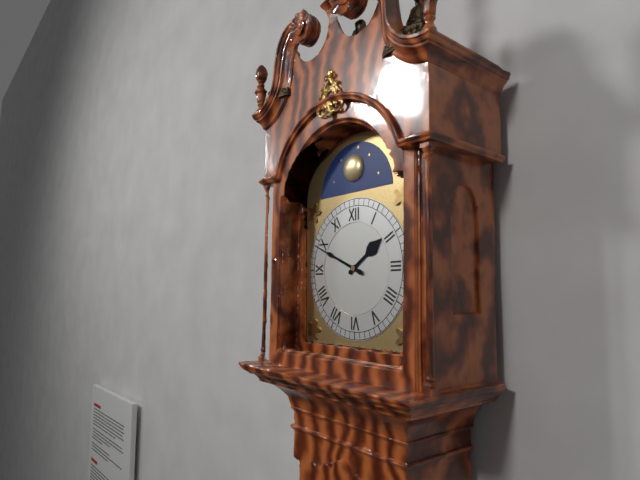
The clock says **1:49**
